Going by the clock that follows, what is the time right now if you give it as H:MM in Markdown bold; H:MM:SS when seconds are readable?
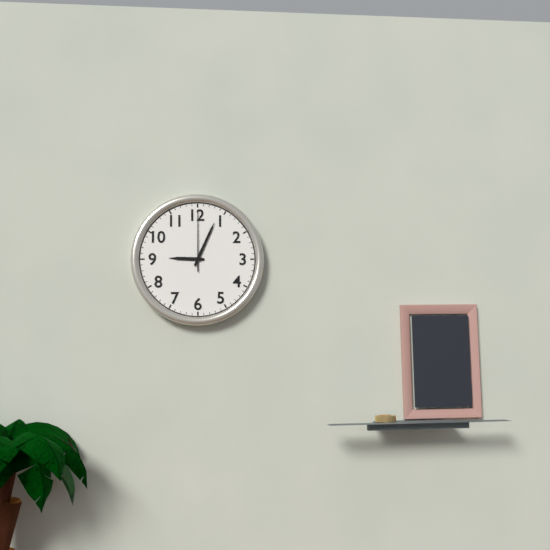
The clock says **9:04:00**
